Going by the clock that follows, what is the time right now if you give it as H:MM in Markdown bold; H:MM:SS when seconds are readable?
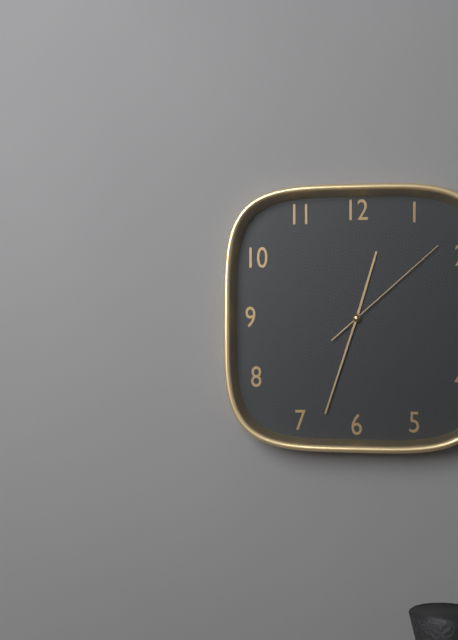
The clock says **12:33:08**
